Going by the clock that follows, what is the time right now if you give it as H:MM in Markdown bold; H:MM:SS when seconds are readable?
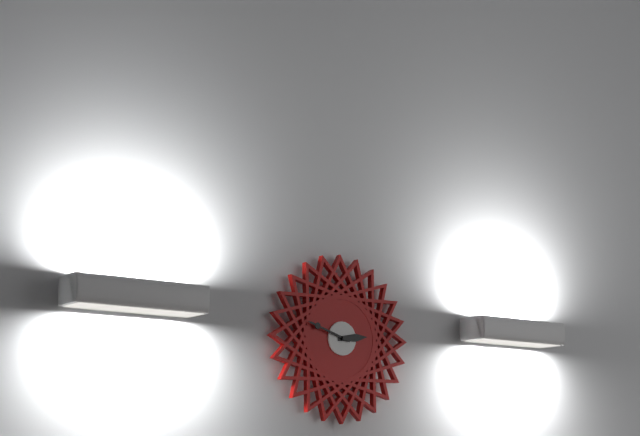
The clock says **2:48**
